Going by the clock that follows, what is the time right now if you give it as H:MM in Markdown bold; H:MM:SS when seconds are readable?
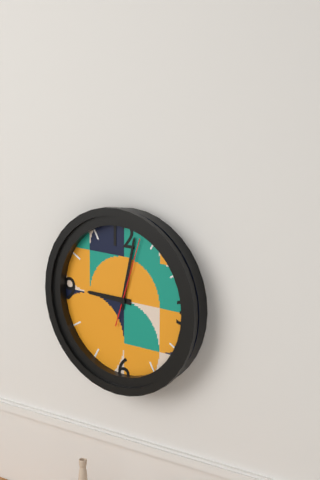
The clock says **9:02:03**
